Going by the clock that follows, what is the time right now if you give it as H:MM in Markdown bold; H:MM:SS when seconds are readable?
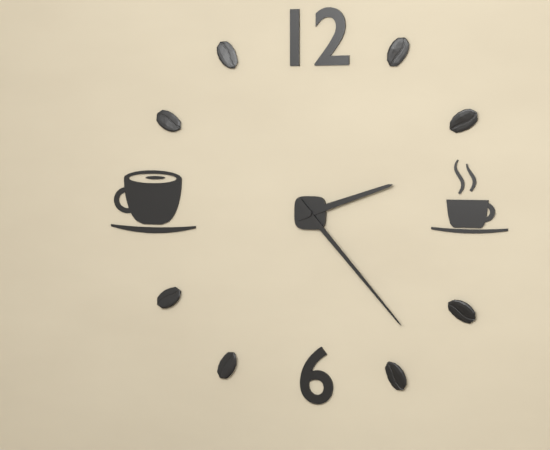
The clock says **2:23**
